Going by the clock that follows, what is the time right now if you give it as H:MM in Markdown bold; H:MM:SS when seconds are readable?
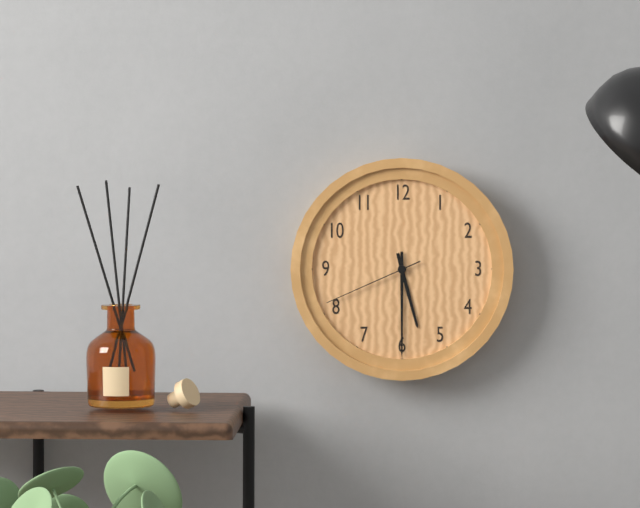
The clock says **5:30:41**
